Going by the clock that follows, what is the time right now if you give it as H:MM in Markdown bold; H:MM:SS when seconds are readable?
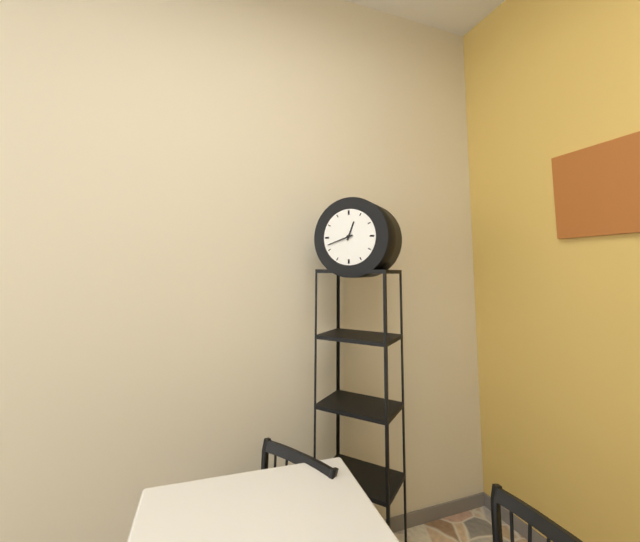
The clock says **12:42**
